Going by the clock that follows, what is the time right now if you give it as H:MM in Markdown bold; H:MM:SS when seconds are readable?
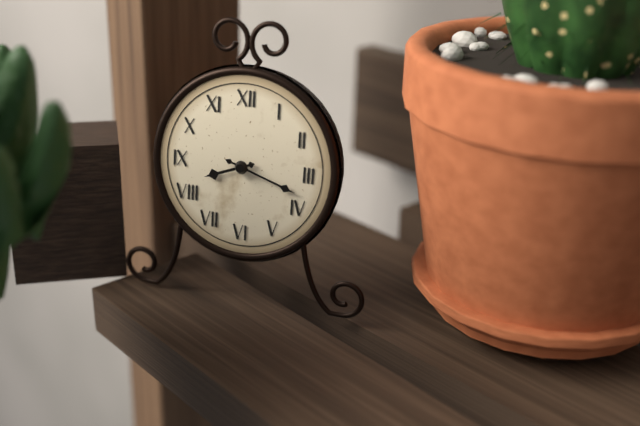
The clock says **8:18**
